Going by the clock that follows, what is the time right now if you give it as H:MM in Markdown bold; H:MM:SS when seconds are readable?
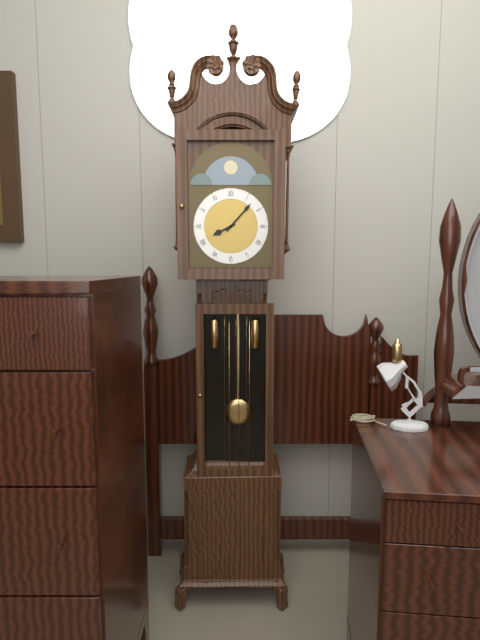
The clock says **8:07**
